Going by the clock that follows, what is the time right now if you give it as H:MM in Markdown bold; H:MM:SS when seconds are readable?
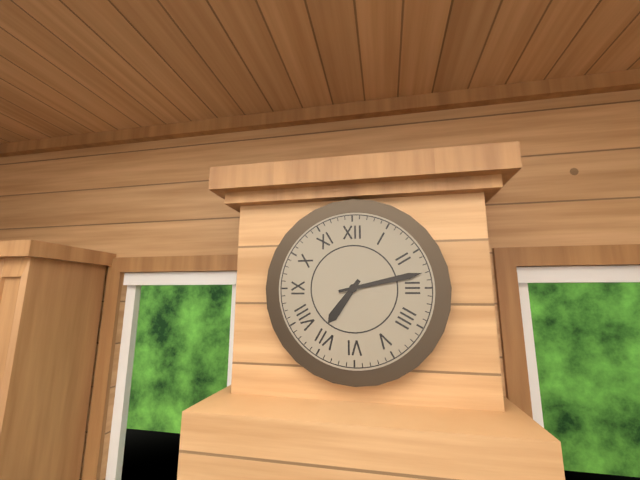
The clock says **7:13**
